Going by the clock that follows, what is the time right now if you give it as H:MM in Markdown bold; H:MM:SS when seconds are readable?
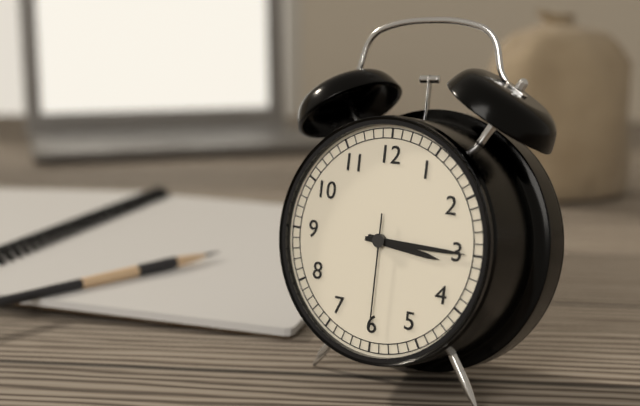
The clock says **3:15:30**
